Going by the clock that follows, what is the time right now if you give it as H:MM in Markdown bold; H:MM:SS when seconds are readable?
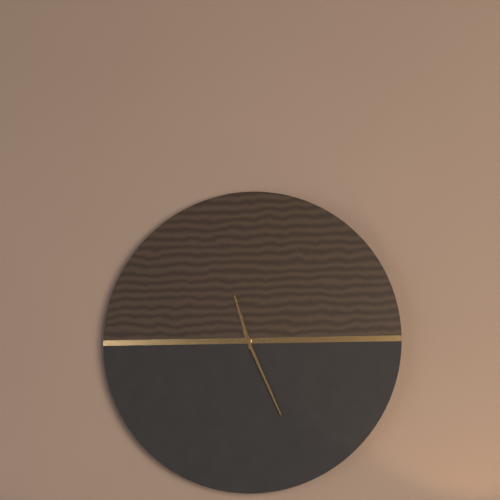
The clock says **11:26**
